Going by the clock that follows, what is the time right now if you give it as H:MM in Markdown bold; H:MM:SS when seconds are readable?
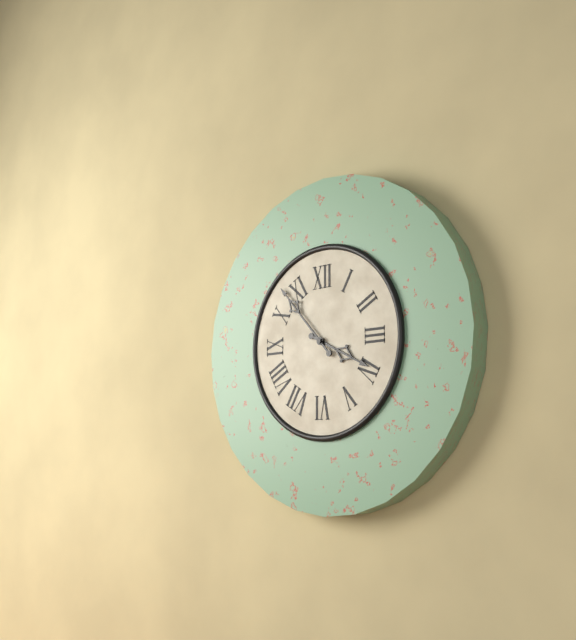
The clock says **3:53**
